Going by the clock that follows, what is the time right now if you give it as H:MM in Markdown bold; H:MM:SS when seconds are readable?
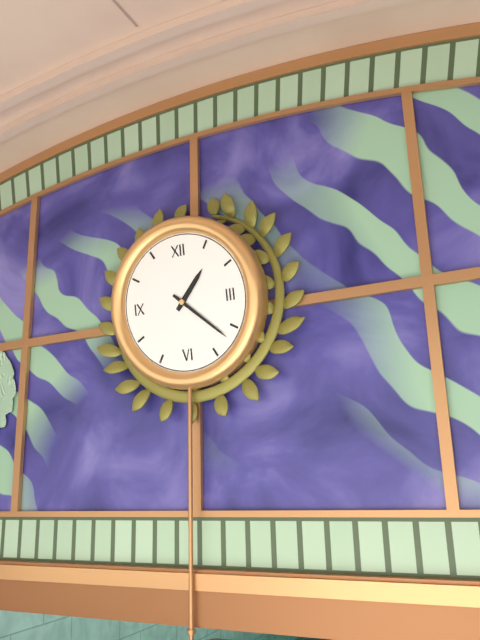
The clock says **1:22**
